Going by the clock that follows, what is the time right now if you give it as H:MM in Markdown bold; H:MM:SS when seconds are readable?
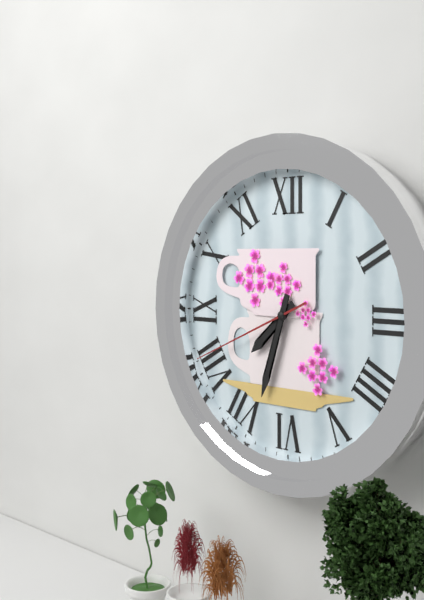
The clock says **7:33:41**
